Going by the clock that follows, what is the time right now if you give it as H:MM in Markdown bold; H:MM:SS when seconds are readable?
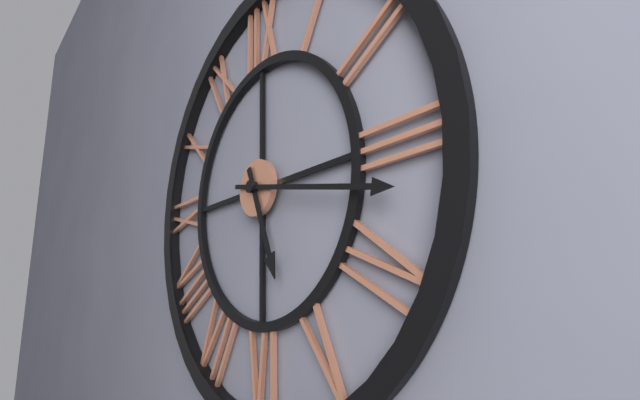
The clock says **5:17**
